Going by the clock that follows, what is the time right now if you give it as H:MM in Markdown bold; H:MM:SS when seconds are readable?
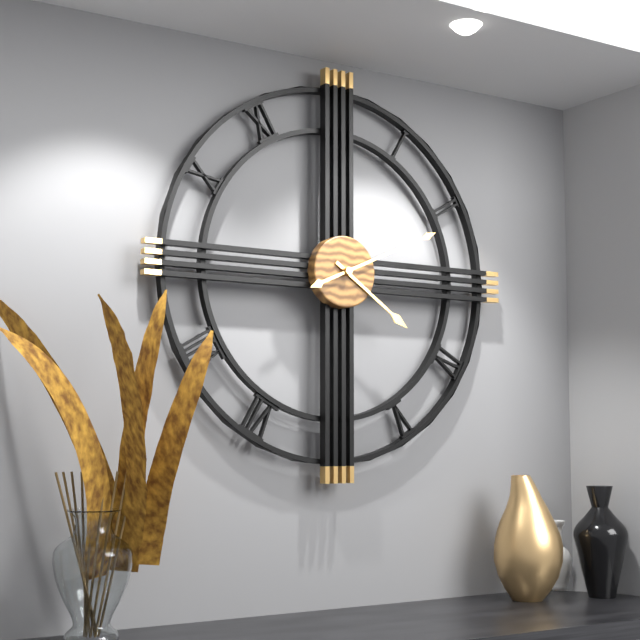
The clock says **4:11**
